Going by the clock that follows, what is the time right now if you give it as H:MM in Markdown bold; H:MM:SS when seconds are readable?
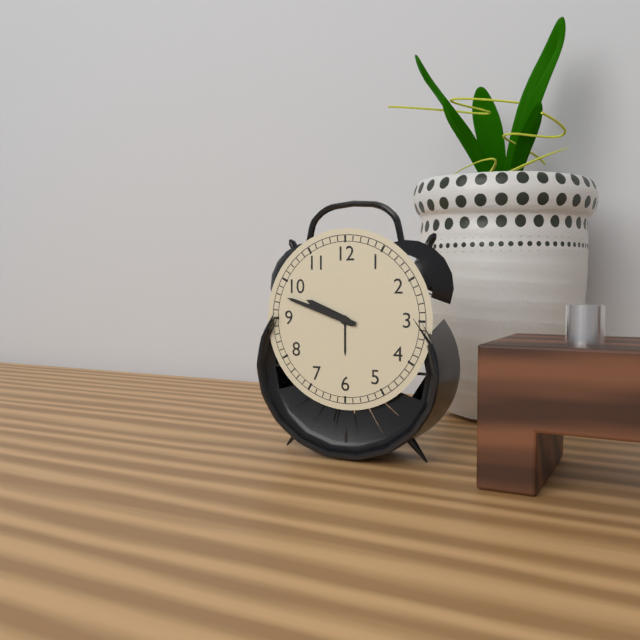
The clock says **9:48**
